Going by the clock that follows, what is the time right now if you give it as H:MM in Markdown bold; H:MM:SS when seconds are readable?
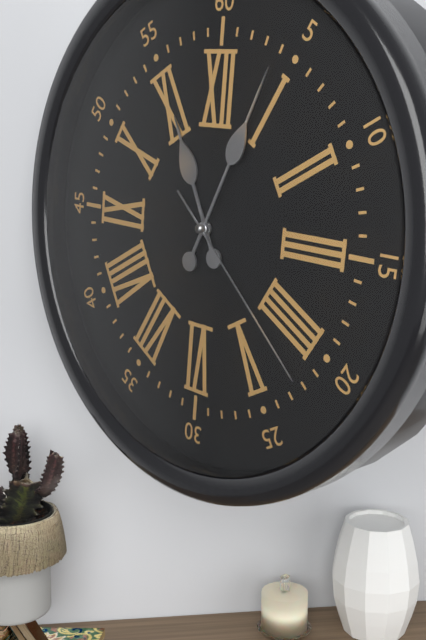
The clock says **11:04:22**
